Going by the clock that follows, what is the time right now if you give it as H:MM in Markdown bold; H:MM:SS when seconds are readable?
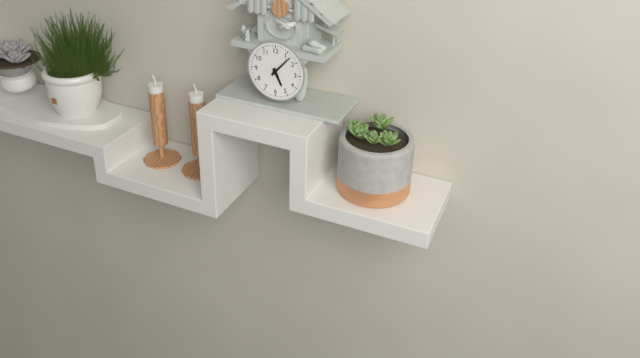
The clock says **5:07**
